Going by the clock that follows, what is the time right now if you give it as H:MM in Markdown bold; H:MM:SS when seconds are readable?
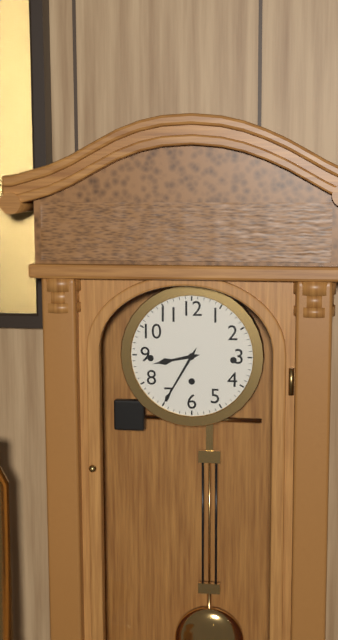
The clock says **8:35**
